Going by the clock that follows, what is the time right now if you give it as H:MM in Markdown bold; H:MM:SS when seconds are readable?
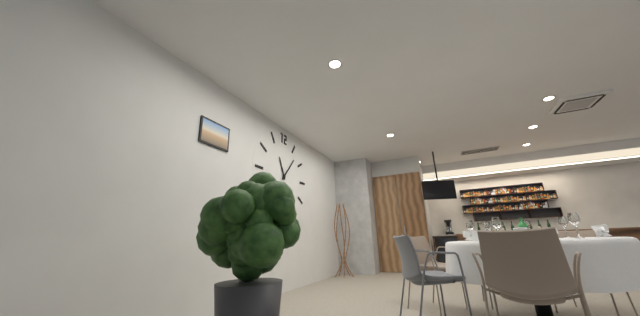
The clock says **11:07**
